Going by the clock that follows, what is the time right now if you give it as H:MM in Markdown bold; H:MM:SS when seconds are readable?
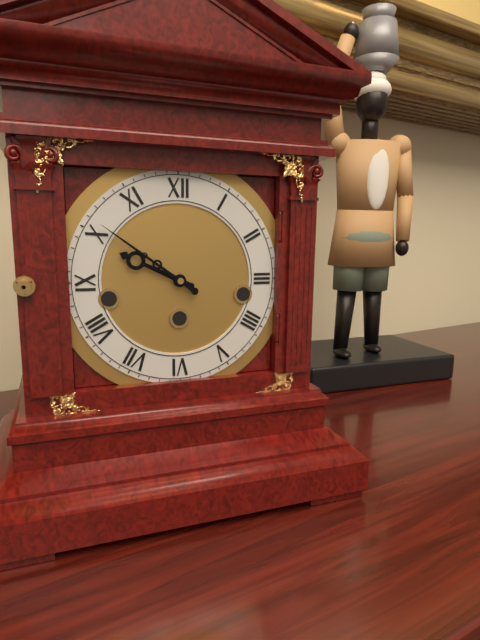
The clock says **9:51**
